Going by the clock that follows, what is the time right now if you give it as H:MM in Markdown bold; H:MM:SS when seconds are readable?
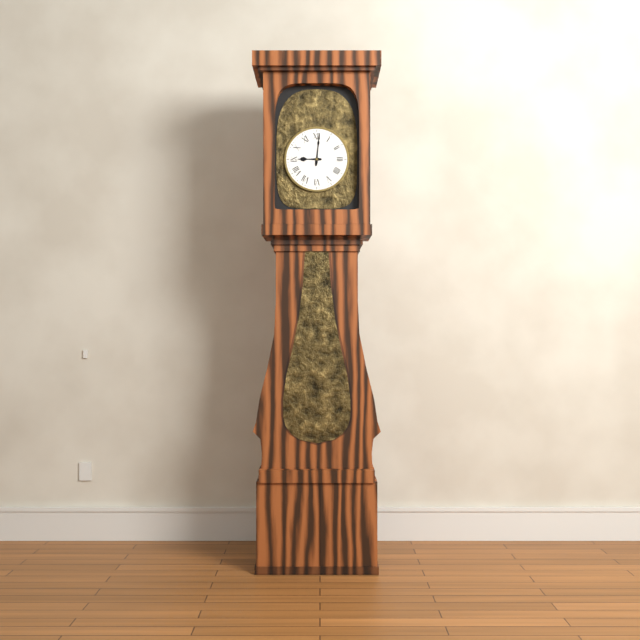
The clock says **9:01**
